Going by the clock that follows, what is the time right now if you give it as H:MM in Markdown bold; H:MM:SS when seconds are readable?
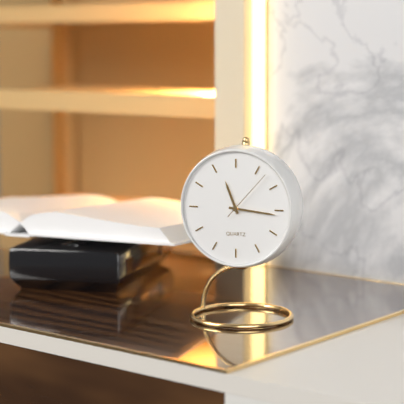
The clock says **11:16:07**
